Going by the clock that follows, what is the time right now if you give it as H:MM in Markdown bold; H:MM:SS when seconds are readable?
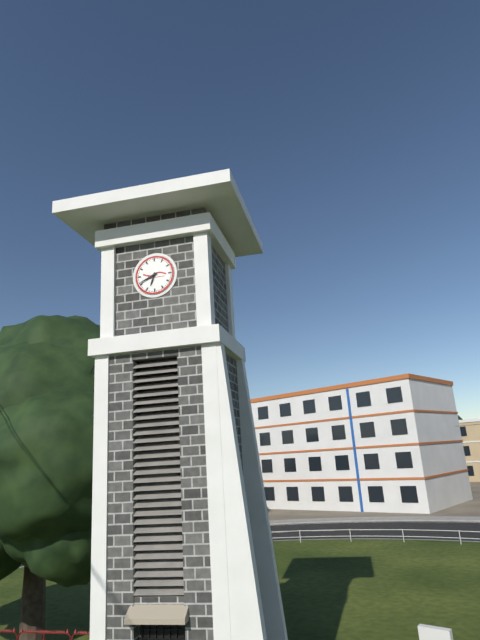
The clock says **6:41**
